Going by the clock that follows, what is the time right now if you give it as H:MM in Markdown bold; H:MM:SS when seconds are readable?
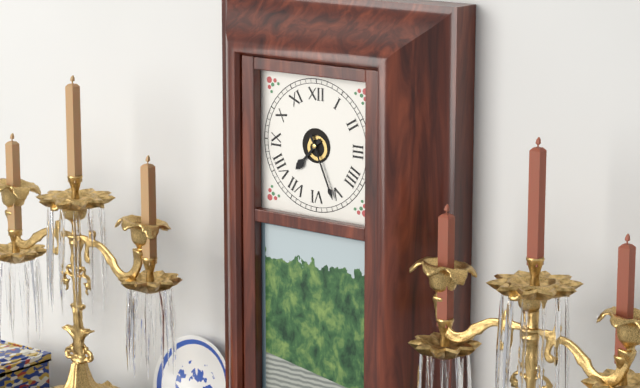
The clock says **7:26**
